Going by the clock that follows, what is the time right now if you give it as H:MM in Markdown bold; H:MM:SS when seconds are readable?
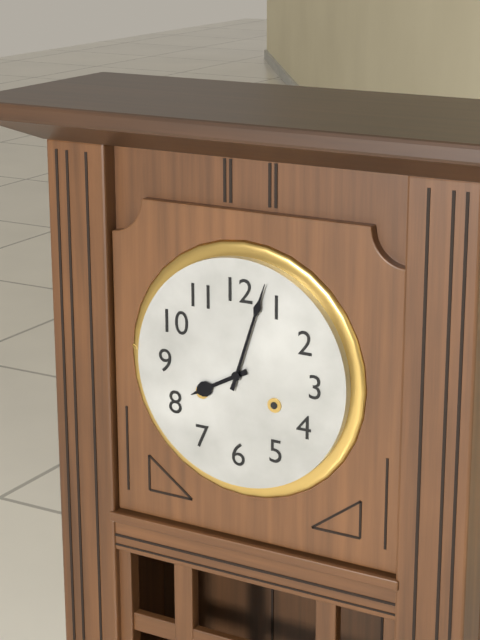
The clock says **8:03**
